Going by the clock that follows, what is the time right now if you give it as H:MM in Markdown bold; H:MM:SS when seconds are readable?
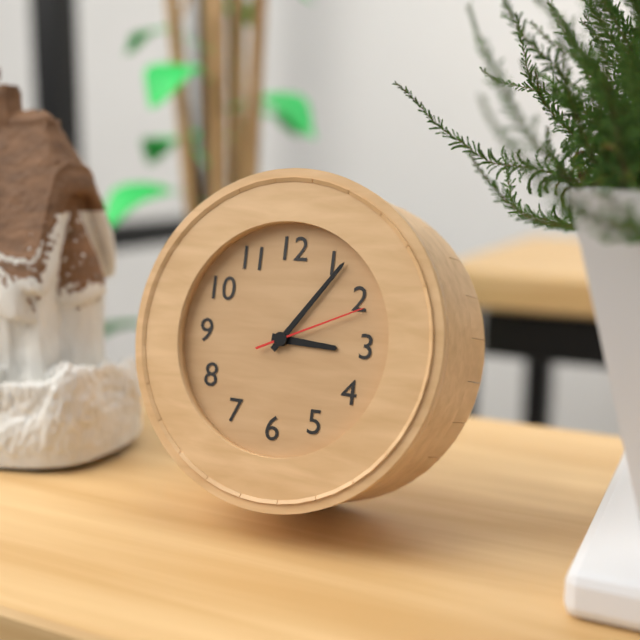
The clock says **3:06:11**
